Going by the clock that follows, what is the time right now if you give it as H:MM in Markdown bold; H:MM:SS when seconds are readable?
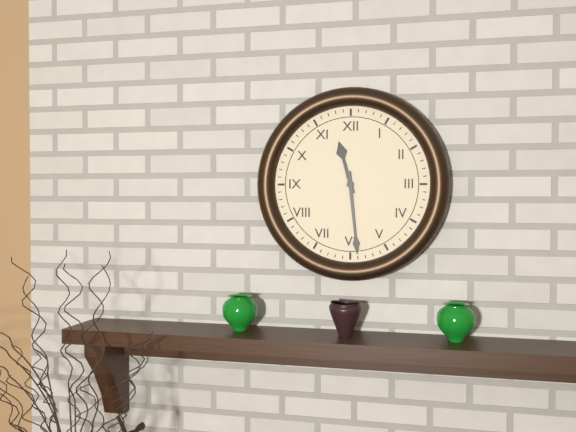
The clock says **11:29**
